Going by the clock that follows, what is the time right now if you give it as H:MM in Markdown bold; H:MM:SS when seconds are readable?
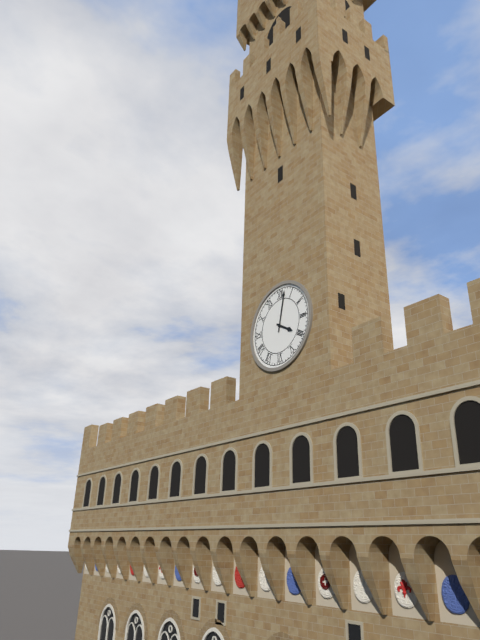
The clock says **4:02**
